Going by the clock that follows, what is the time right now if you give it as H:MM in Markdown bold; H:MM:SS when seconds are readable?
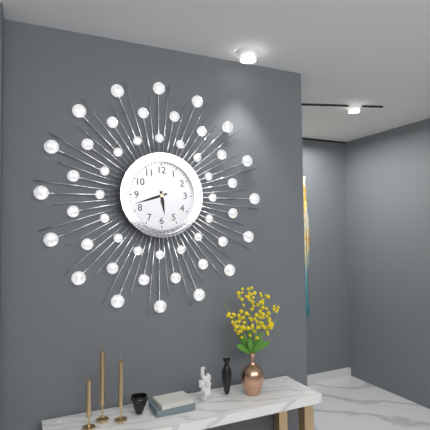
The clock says **5:42**
